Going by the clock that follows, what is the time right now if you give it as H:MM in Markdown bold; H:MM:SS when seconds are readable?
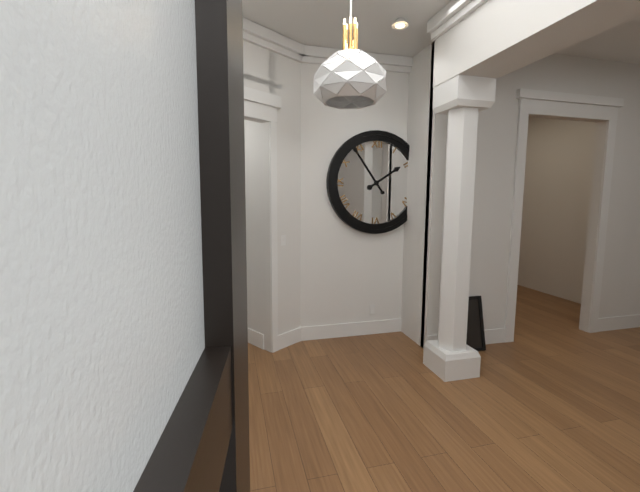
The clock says **1:54**
